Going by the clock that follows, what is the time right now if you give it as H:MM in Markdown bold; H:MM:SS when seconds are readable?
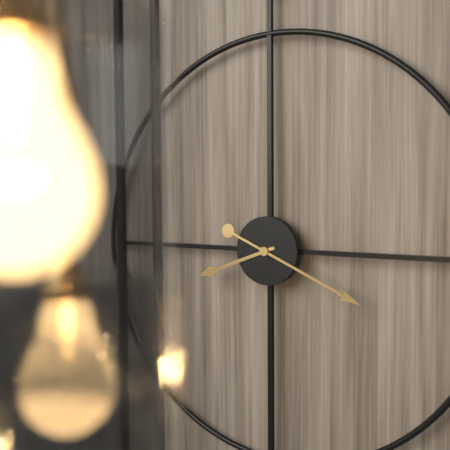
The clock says **8:19**
